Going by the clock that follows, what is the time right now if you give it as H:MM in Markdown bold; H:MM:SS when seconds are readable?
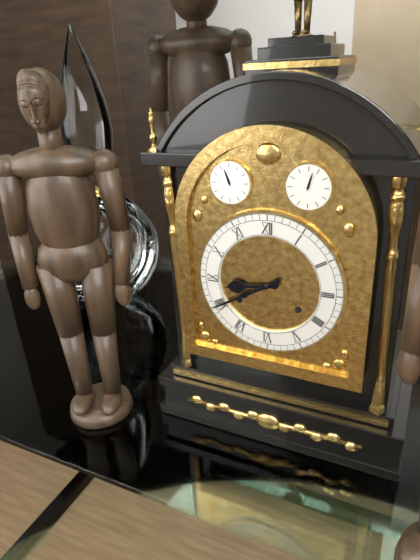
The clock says **8:40**
